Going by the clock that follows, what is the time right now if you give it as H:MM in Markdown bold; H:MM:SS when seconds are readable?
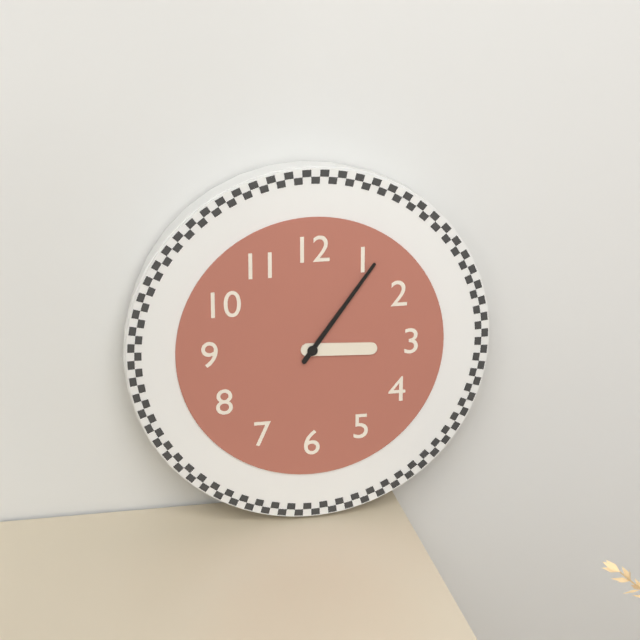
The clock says **3:06**
